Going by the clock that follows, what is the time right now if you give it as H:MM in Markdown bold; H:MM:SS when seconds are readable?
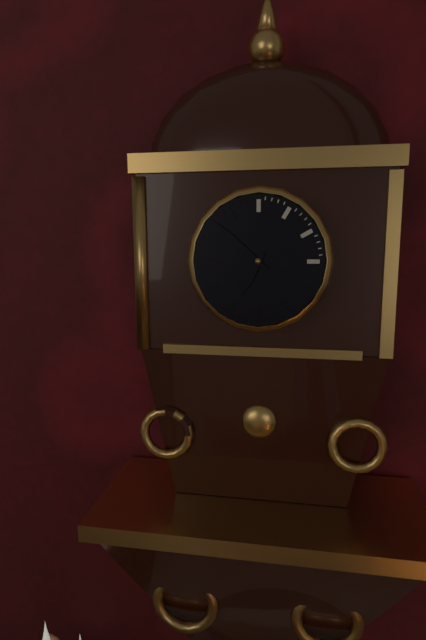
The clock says **6:52**
